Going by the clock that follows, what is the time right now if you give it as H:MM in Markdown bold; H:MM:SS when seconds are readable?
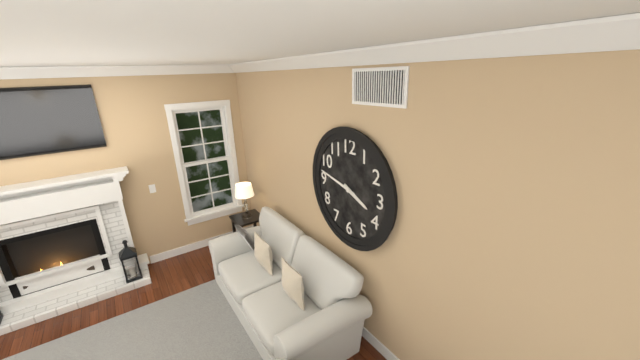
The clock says **3:47**
